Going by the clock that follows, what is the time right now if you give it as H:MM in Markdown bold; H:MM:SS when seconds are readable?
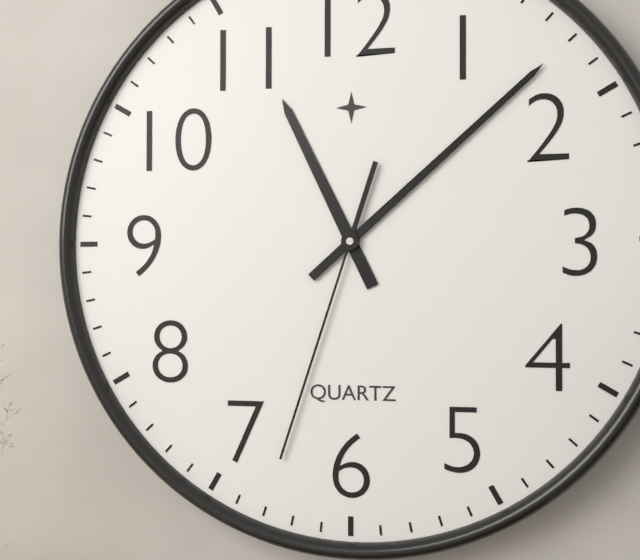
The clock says **11:08:33**
